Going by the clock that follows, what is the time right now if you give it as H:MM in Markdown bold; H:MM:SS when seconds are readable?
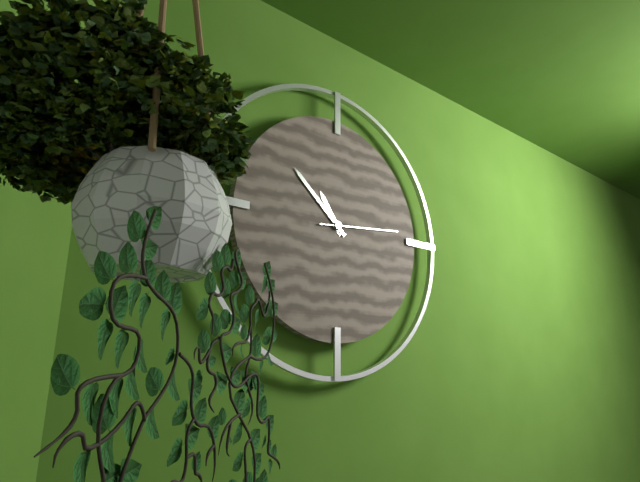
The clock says **10:52:14**
